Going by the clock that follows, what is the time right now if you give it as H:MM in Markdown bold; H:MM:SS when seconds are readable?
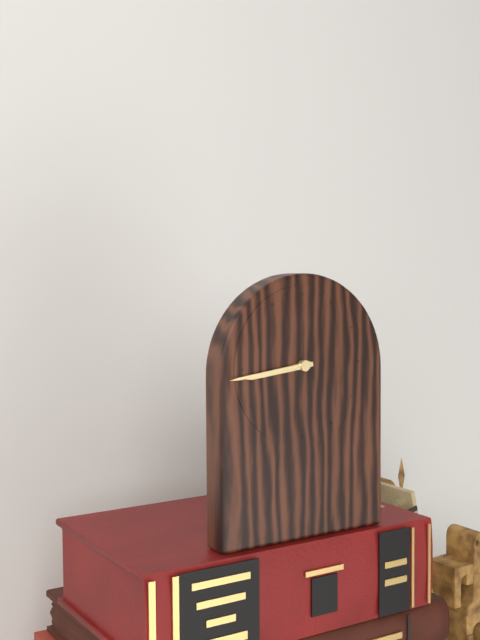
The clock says **8:44**
